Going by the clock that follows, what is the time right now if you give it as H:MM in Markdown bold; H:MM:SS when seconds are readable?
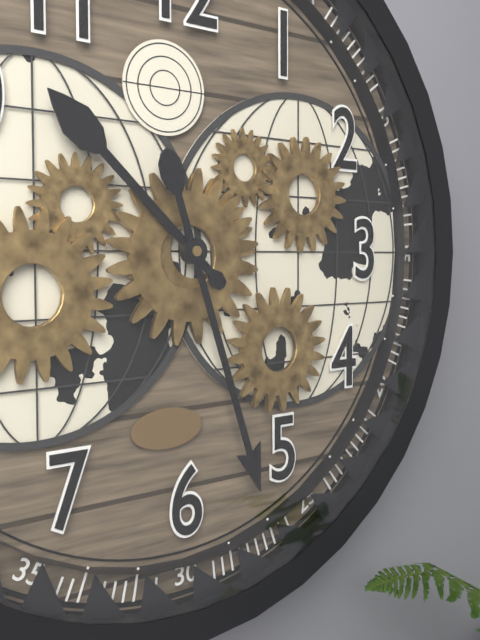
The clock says **10:27**
